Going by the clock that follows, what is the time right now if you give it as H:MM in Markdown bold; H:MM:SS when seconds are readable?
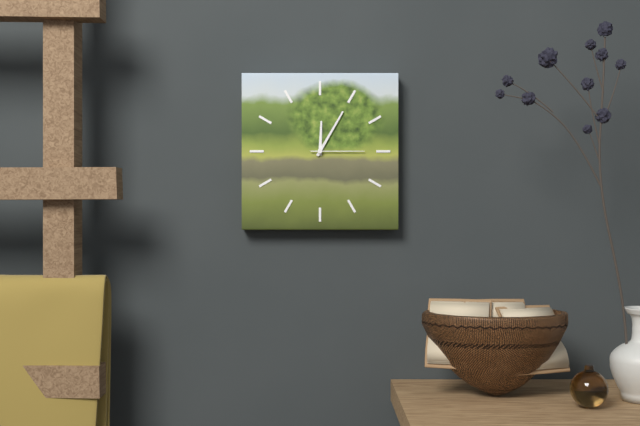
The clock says **12:05:15**
